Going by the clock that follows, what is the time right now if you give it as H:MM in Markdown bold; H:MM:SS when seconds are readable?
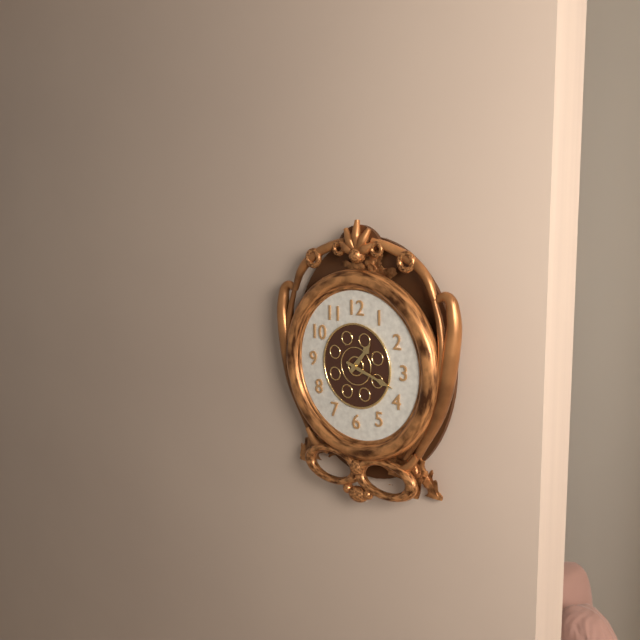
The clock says **1:18**
